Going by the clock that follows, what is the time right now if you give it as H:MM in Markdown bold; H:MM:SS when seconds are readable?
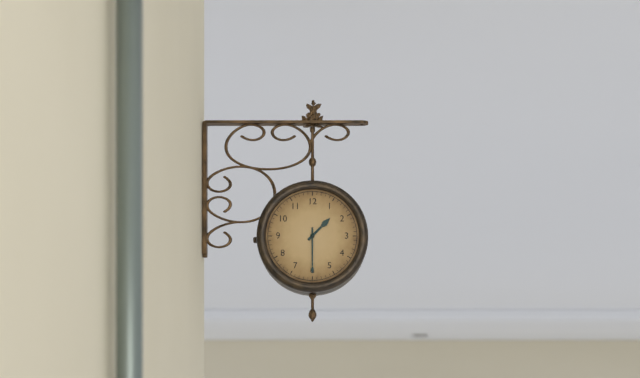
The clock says **1:30**
